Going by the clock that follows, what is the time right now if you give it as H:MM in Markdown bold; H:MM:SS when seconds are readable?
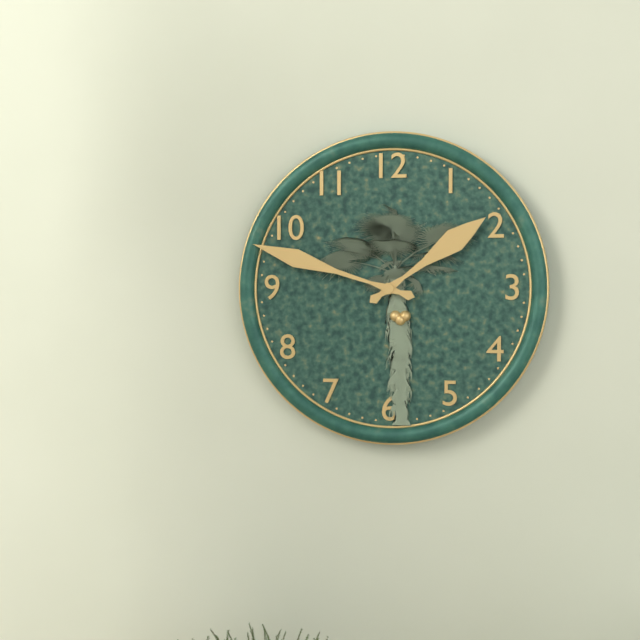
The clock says **1:48**
